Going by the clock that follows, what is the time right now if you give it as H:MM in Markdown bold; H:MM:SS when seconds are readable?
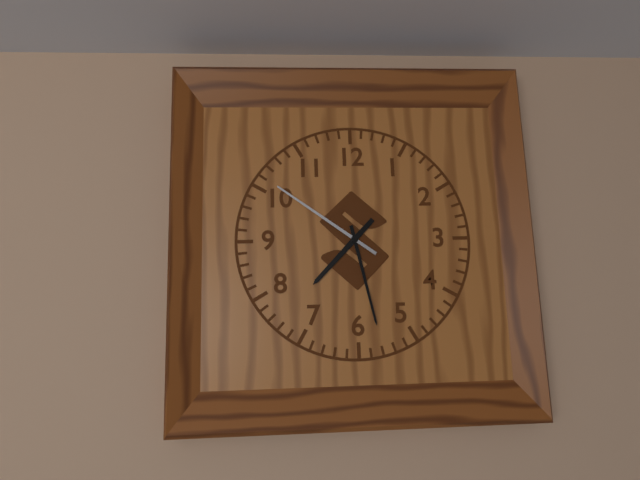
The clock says **7:28:51**
